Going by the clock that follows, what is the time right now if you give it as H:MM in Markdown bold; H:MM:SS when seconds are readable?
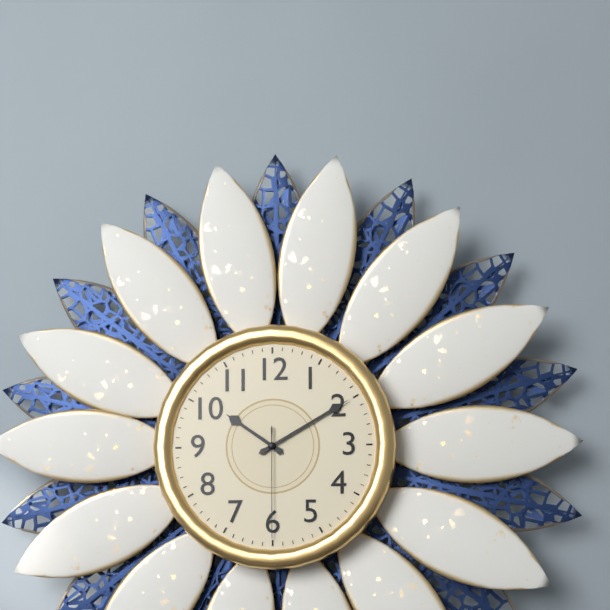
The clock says **10:10:30**
